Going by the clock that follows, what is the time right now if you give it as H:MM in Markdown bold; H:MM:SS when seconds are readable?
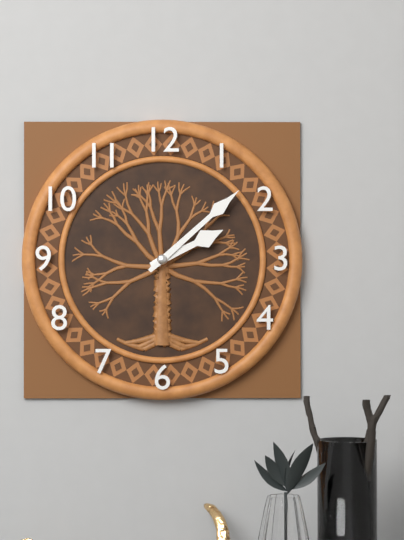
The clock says **2:08**
